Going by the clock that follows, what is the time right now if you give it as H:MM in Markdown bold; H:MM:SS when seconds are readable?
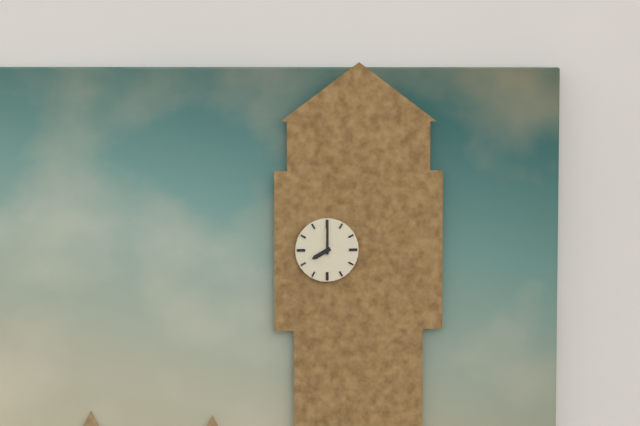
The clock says **8:00**
